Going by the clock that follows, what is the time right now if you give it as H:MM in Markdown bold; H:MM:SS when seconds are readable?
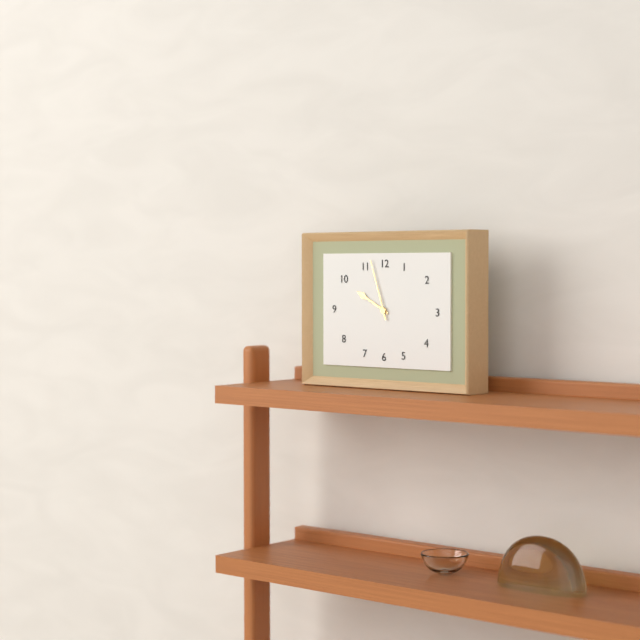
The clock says **9:57**
